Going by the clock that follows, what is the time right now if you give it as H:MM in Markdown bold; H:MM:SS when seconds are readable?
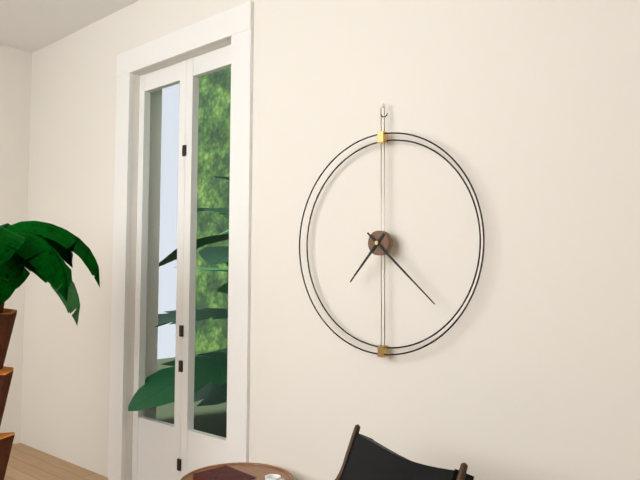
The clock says **7:22**
